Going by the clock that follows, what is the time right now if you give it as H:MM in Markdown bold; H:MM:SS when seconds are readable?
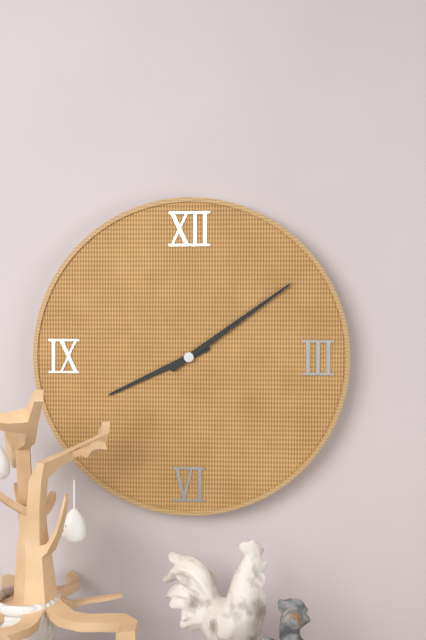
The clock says **8:09**
